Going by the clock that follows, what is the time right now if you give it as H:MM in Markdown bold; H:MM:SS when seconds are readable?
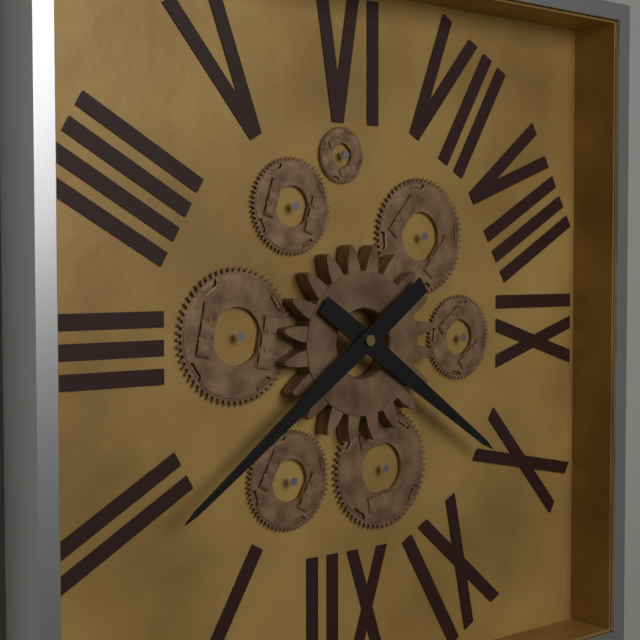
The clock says **10:09**
